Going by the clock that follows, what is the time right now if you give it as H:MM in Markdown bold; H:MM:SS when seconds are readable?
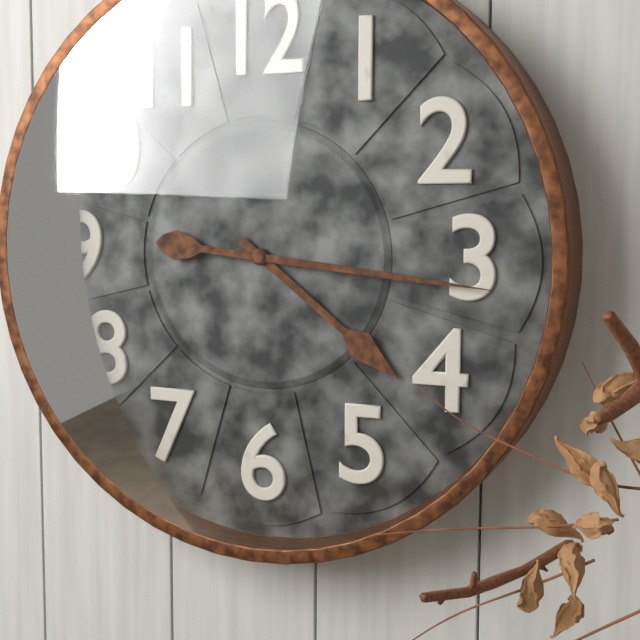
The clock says **4:16**
